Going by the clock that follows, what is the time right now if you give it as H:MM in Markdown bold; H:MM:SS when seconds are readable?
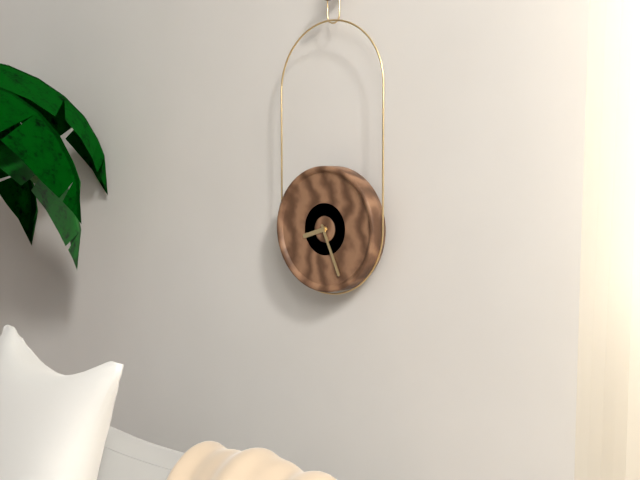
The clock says **8:26**
